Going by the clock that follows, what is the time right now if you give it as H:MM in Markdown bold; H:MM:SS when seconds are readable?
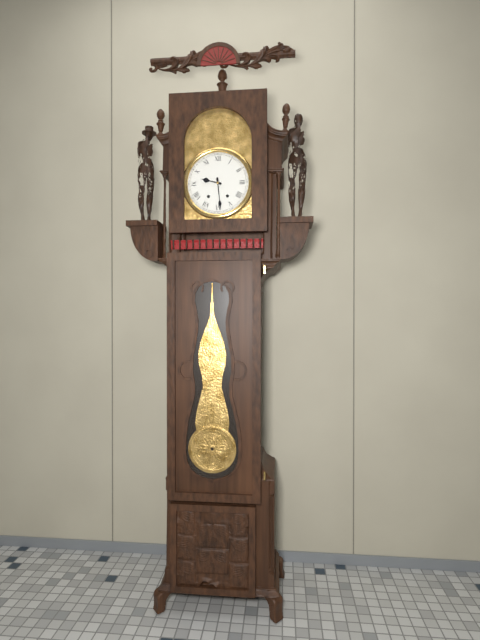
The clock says **9:29**
